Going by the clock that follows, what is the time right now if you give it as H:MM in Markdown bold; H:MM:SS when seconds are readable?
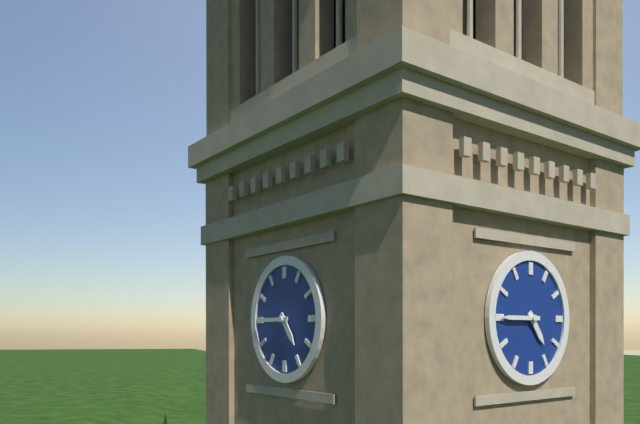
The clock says **4:45**
